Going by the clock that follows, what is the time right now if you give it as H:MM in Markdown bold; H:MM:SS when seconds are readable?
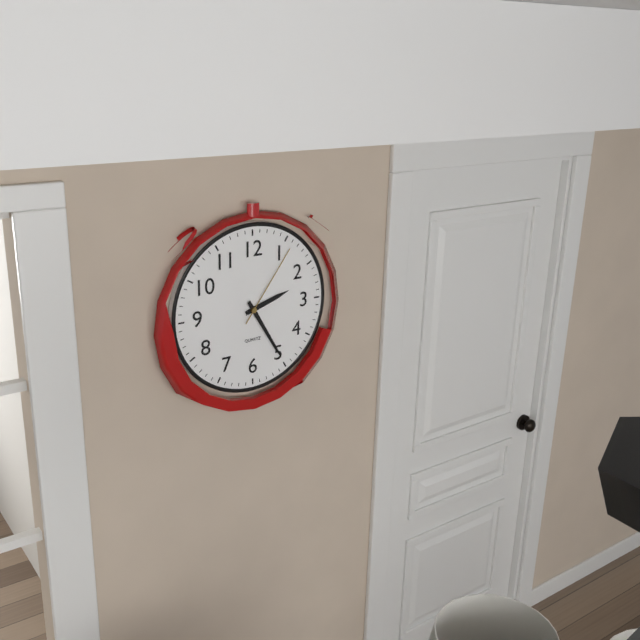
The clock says **2:25:06**
